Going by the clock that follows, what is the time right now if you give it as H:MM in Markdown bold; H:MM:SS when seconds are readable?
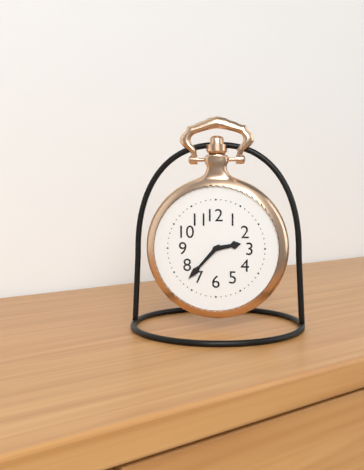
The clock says **2:37**
